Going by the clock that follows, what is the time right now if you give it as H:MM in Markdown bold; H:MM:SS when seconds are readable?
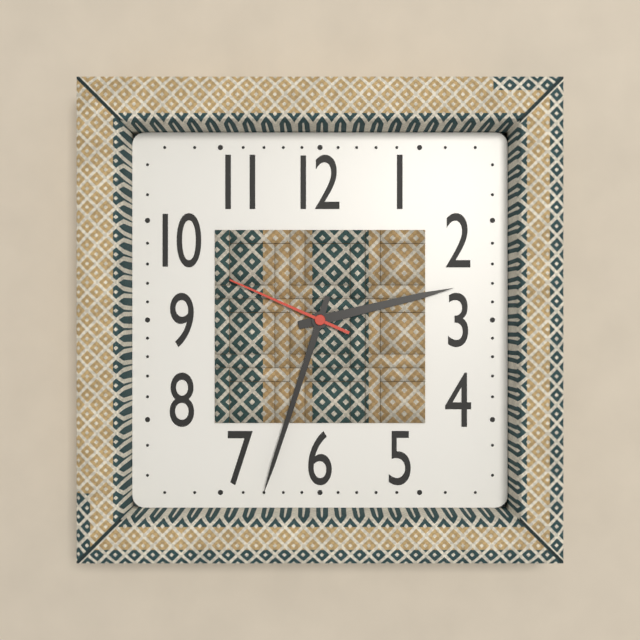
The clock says **2:33:49**
